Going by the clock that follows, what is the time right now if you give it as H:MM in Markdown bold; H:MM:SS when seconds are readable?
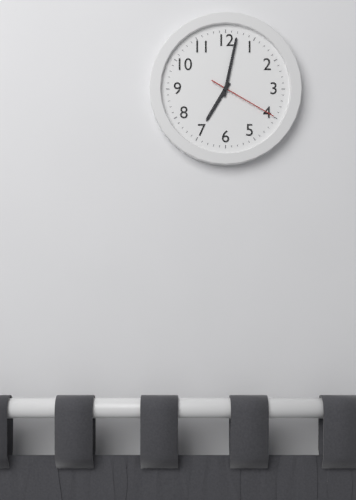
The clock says **7:02:20**
